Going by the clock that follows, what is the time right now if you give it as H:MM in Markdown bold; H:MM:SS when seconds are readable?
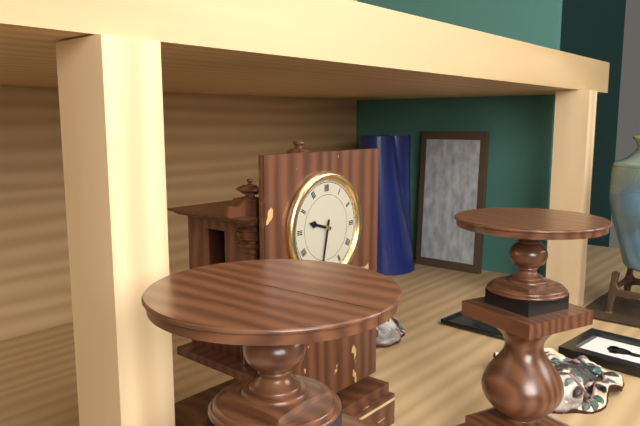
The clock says **9:32**
